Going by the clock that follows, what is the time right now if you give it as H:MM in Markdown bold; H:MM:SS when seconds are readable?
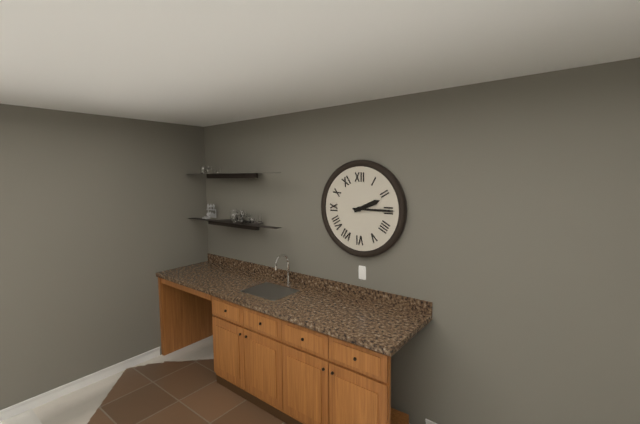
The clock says **2:15**
